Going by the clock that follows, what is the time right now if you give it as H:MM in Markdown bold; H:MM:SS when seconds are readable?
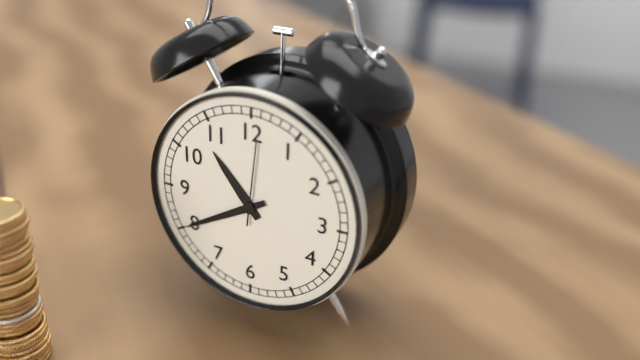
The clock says **10:40:01**
